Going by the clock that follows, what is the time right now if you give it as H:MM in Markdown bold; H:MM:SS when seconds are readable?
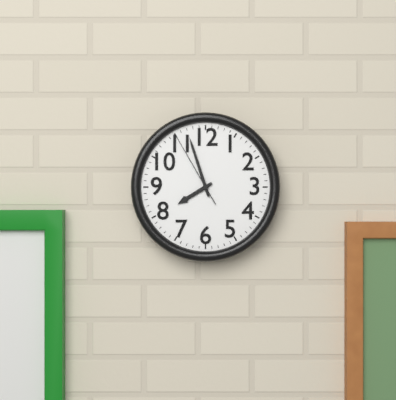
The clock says **7:57:55**
